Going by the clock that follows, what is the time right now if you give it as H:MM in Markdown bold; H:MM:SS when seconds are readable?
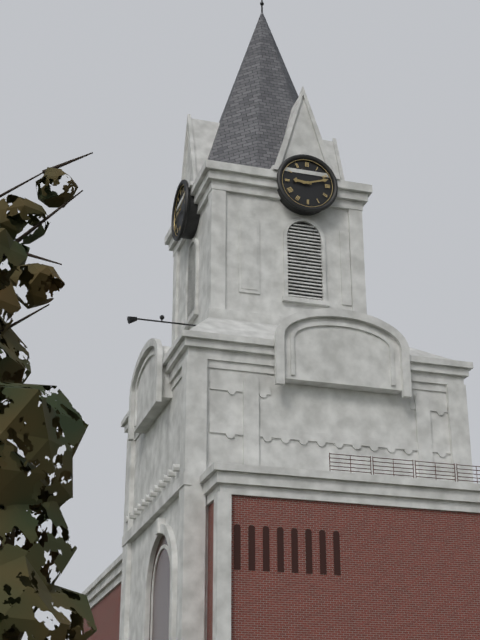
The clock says **9:12**
